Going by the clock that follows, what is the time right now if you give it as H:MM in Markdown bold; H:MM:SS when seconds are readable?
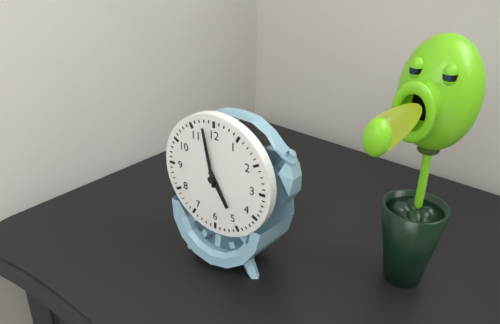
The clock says **4:58**
